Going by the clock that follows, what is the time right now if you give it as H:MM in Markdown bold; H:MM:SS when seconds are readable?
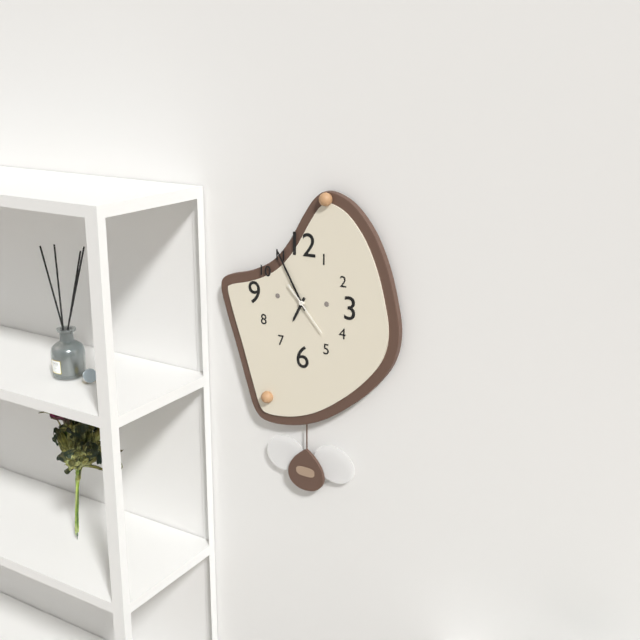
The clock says **6:55**
